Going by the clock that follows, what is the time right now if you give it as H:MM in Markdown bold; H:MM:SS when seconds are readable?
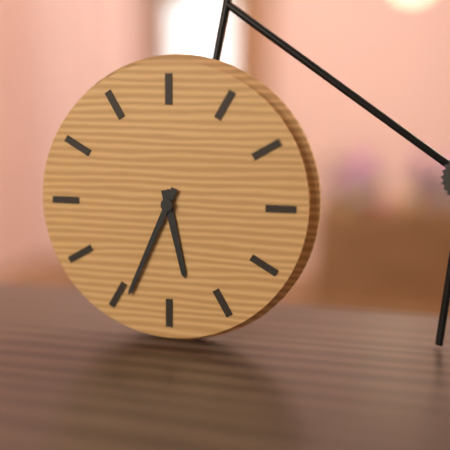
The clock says **5:34**
